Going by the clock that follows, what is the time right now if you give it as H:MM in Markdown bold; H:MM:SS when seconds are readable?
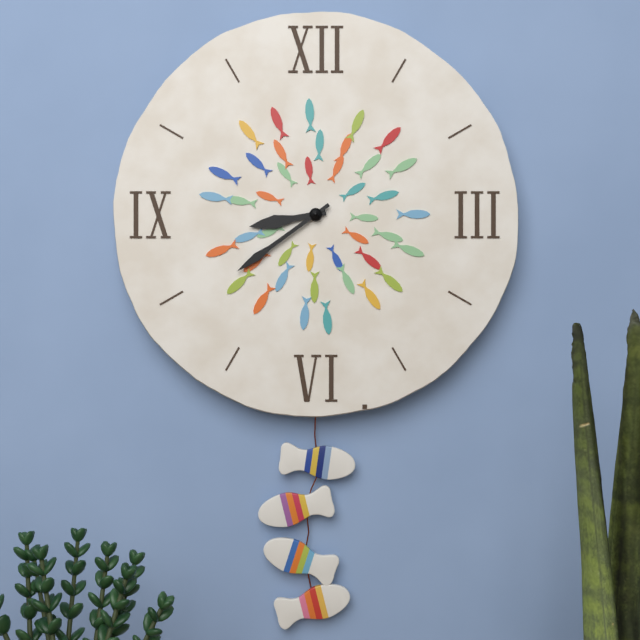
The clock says **8:39**
